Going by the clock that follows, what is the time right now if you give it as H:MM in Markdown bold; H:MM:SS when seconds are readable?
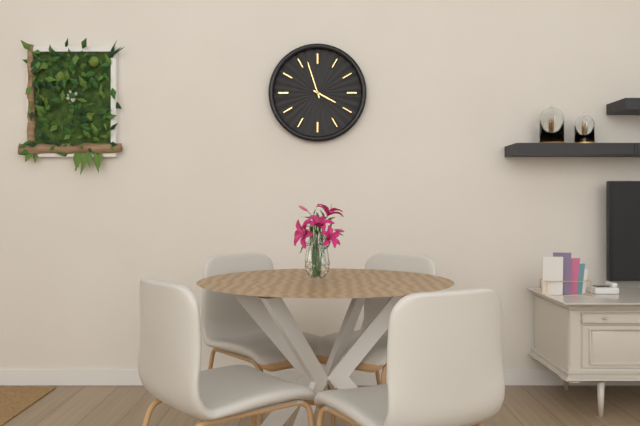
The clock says **3:57**
